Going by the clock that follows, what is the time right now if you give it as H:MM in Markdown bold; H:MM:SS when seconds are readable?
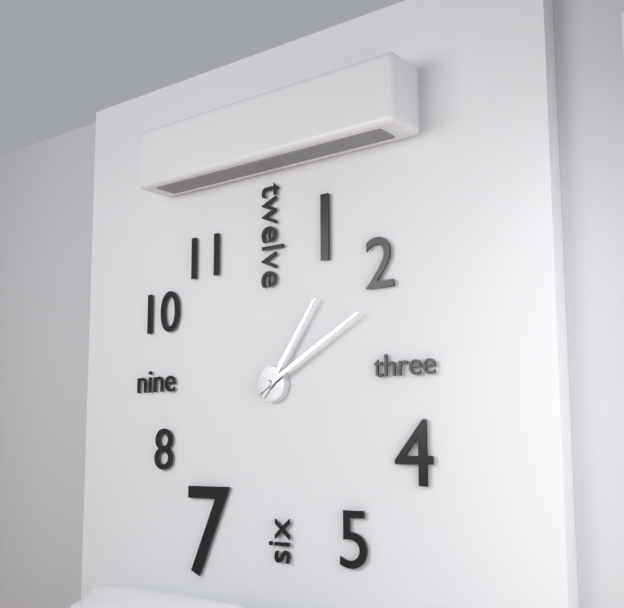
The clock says **1:10**
